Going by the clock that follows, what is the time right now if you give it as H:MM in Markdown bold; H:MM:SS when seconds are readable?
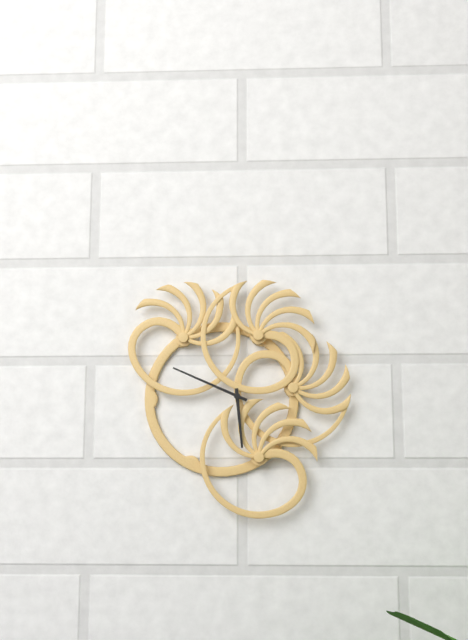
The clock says **5:49**
